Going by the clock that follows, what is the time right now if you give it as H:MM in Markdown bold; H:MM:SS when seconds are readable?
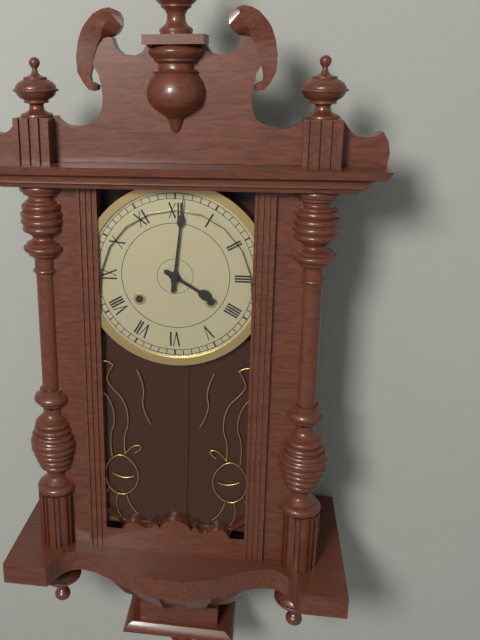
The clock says **4:01**
